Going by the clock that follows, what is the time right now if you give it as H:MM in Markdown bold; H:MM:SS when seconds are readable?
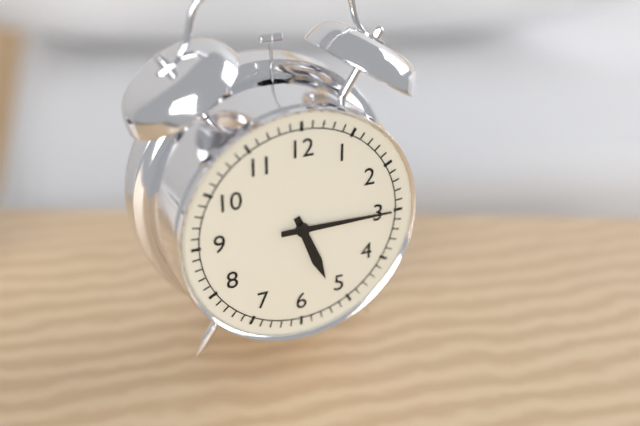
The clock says **5:15**
